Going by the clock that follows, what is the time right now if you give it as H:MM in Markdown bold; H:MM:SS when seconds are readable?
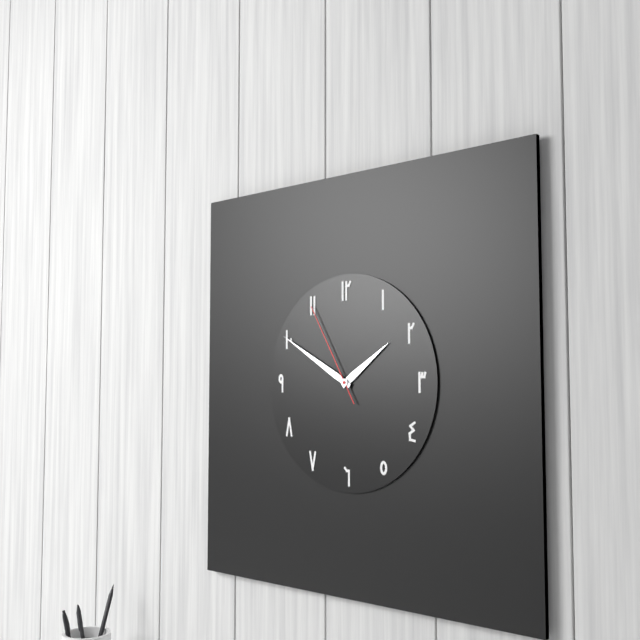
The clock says **1:50:55**
